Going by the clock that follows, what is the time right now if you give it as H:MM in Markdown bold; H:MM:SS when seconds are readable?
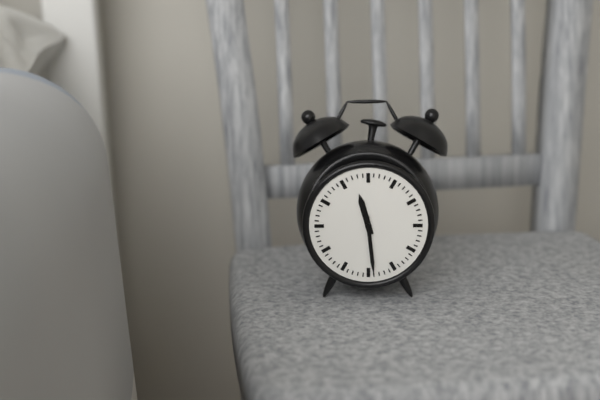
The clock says **11:29**
